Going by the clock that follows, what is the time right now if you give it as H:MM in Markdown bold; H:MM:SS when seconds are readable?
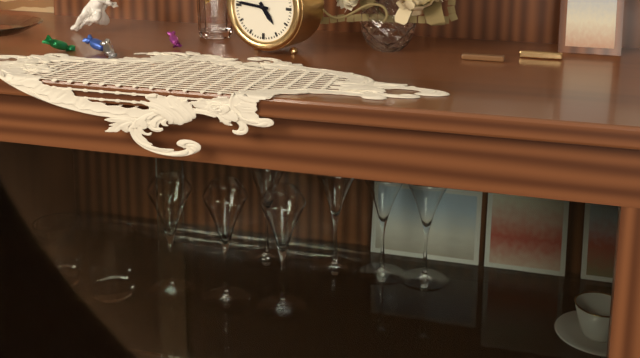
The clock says **4:46**
